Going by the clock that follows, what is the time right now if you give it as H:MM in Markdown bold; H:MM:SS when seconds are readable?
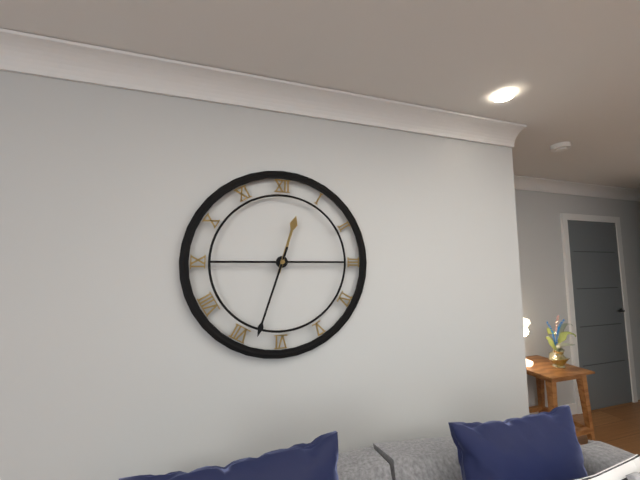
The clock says **12:33**
